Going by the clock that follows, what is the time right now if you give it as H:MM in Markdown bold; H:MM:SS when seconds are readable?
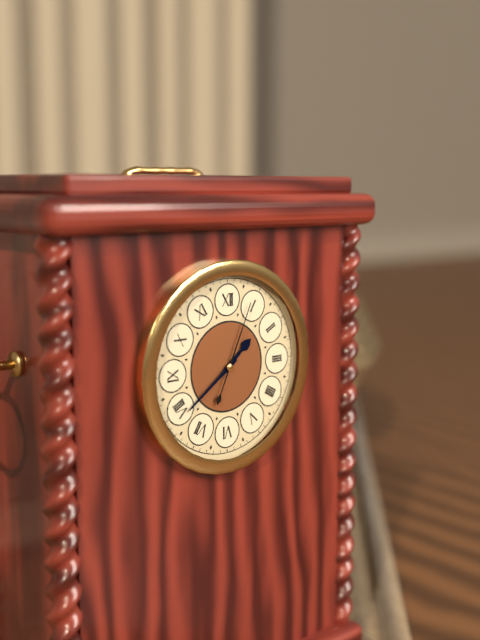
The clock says **1:39:04**
